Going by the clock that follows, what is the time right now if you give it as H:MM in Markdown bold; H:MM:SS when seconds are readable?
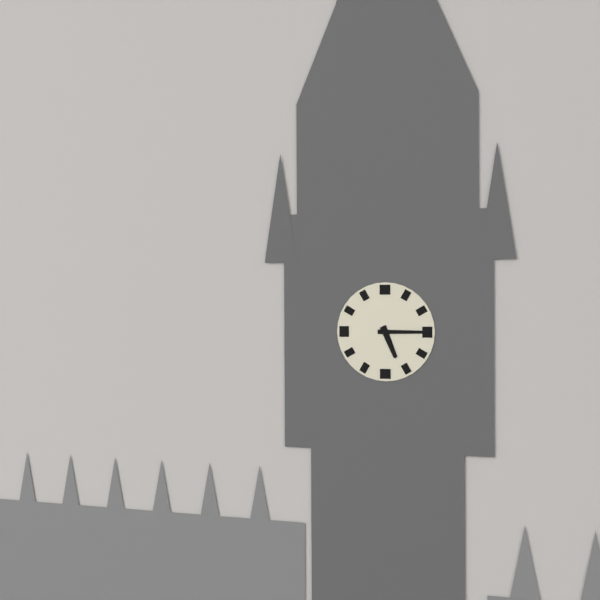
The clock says **5:15**
